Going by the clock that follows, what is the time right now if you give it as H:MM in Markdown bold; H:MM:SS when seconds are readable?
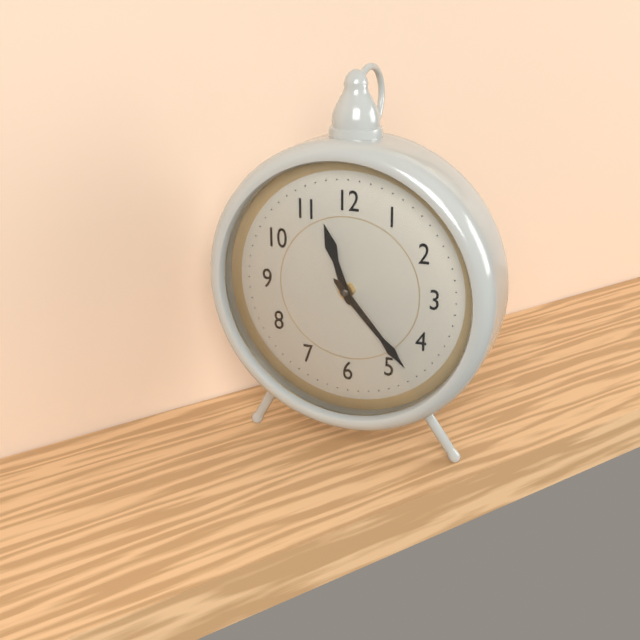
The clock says **11:23**
